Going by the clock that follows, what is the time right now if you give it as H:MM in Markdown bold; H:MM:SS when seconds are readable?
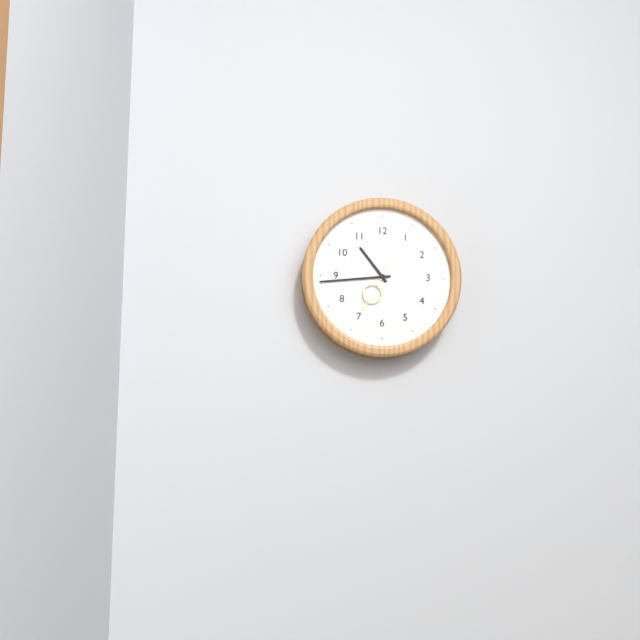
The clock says **10:44**
